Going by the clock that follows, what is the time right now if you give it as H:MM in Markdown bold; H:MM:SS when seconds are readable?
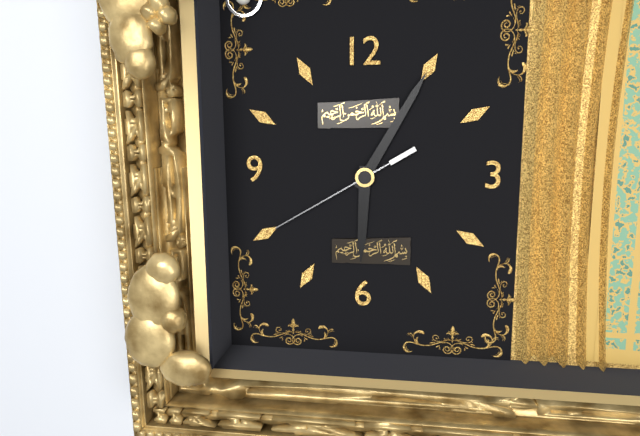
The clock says **6:05:40**
